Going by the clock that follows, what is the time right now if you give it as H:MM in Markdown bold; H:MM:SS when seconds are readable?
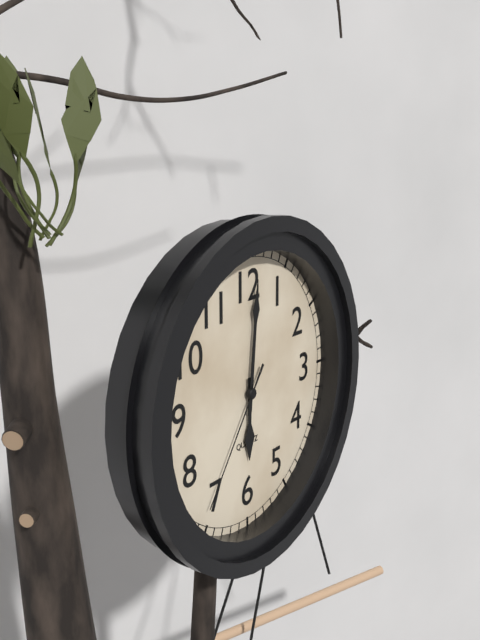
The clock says **6:01:36**
